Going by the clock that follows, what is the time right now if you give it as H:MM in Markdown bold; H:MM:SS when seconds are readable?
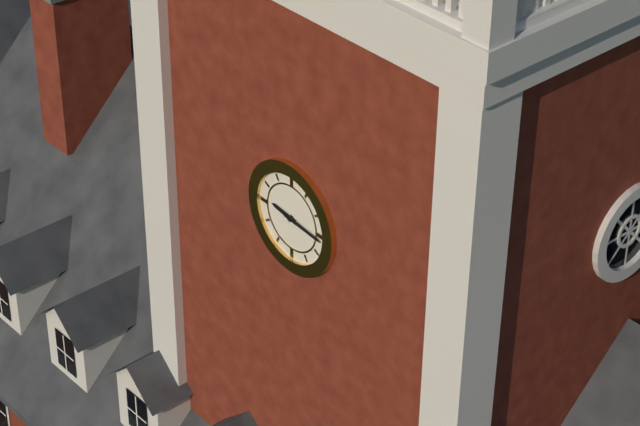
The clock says **9:16**
